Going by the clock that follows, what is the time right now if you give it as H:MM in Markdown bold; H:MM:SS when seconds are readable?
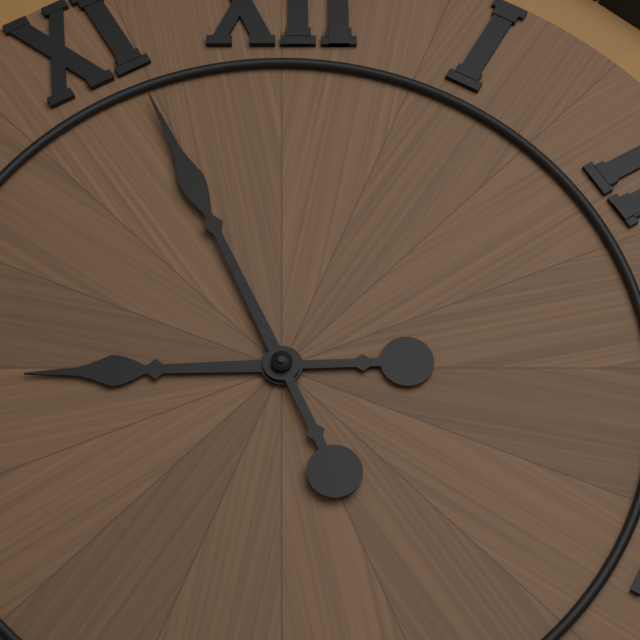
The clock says **8:56**
